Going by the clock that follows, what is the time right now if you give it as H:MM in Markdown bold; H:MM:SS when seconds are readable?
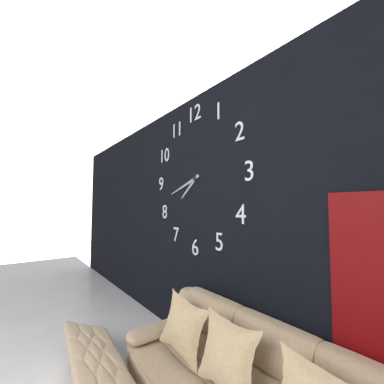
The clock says **7:42**
